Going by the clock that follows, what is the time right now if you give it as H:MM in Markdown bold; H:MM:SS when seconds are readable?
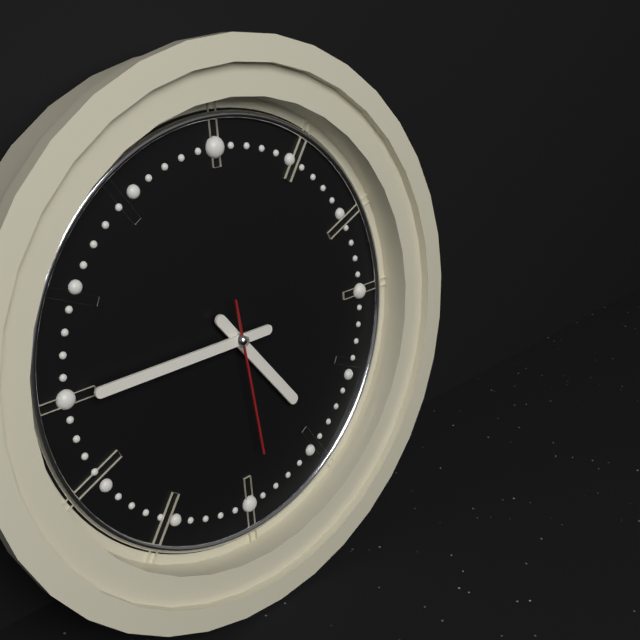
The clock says **4:45:29**
